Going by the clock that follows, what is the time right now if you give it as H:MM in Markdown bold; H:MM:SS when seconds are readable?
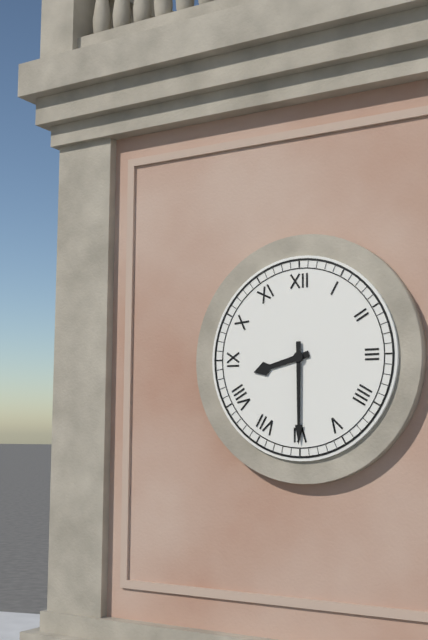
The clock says **8:30**
